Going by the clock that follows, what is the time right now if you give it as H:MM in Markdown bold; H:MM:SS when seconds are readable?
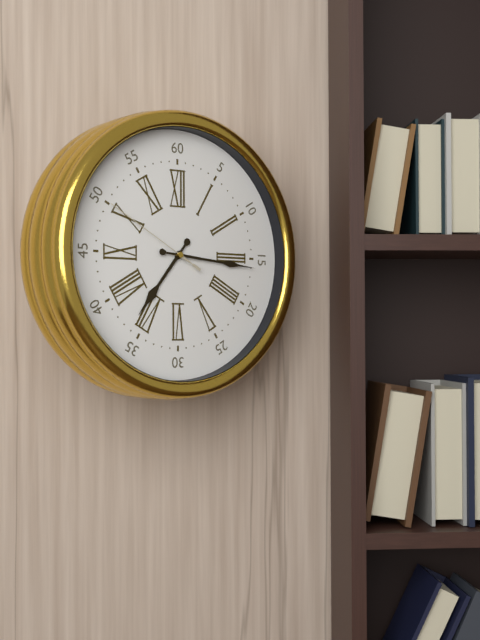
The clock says **7:16:50**
